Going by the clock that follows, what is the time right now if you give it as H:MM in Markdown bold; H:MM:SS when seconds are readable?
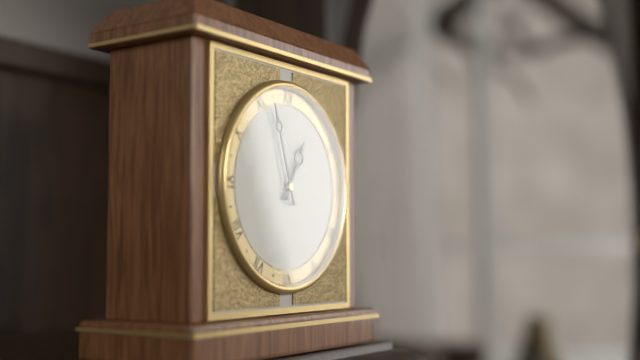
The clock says **12:57**
